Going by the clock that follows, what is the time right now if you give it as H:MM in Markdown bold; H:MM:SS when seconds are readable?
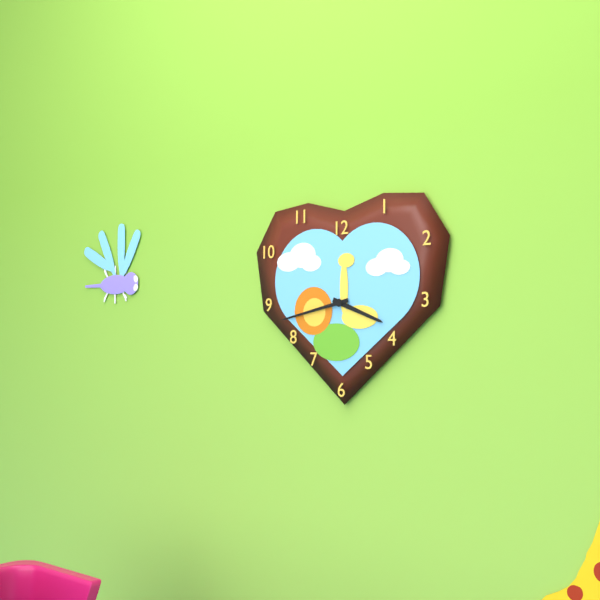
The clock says **3:43**
